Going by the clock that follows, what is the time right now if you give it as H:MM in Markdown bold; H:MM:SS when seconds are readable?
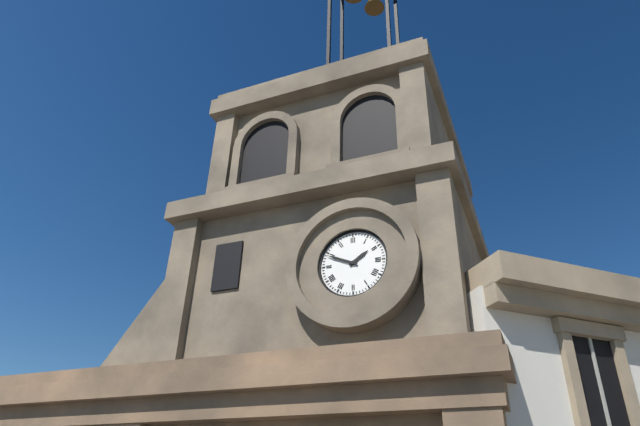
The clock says **1:49**
